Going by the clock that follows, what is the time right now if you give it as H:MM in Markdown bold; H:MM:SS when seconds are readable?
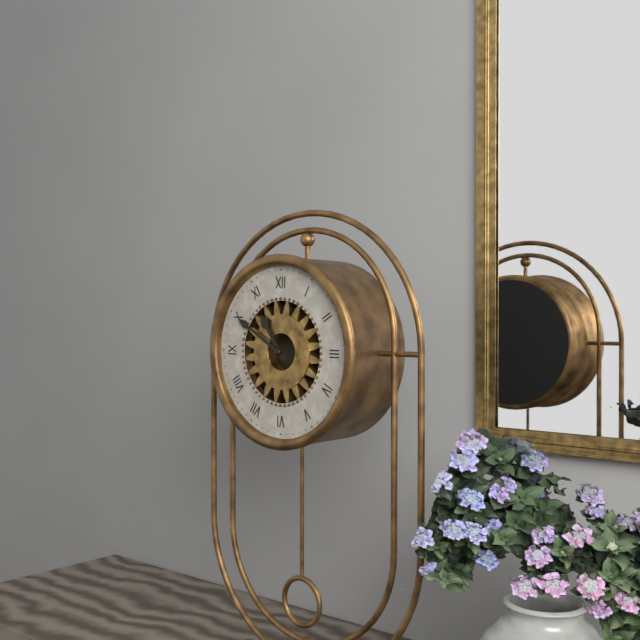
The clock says **10:50**
